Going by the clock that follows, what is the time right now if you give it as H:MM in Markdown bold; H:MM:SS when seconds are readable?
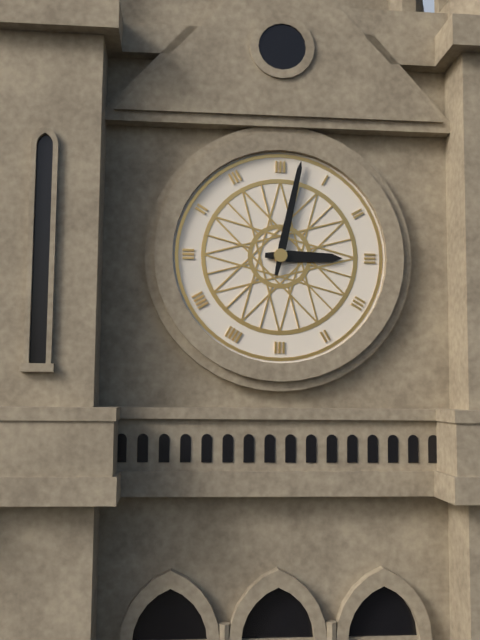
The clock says **3:02**
